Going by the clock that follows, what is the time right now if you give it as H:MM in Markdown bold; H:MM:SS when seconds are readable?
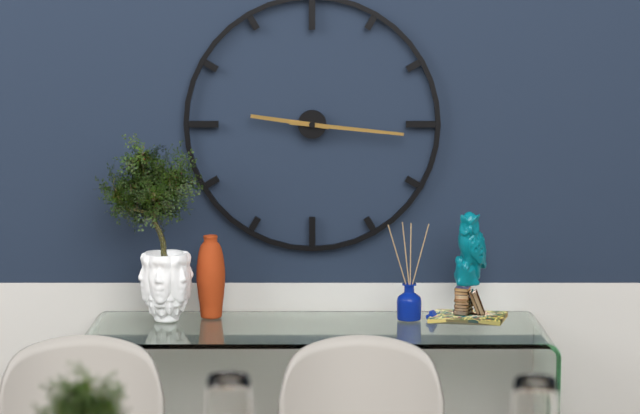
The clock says **9:16**
